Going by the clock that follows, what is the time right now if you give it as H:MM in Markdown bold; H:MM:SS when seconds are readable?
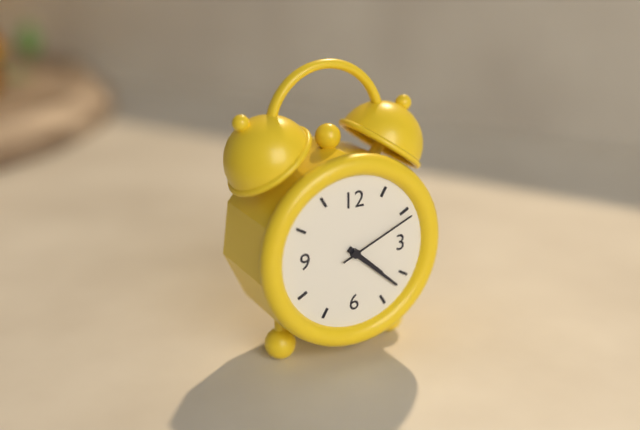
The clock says **4:22:11**
